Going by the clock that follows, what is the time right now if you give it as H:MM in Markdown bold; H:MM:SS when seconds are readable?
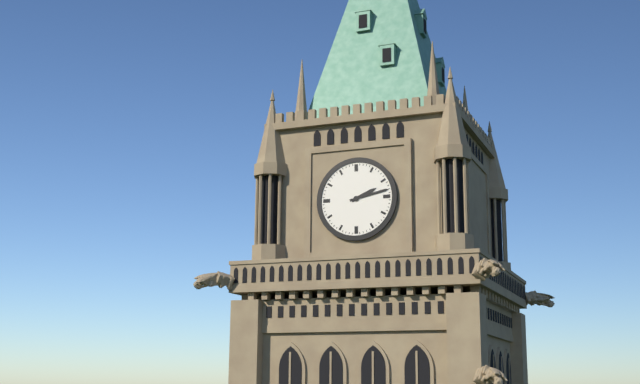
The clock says **2:13**
